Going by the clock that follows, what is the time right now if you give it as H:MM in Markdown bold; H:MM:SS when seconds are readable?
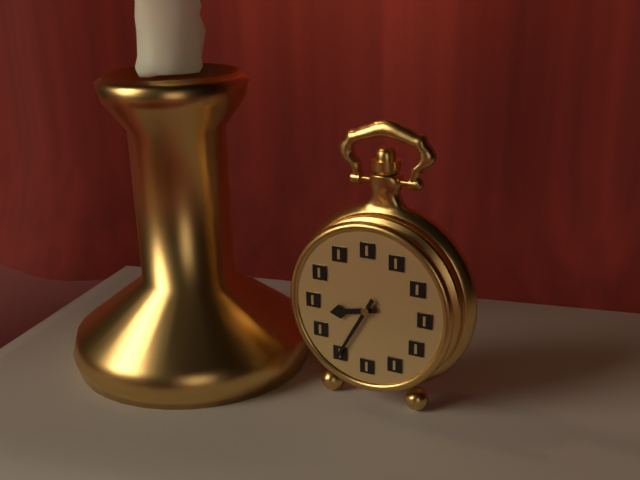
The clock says **8:35**
